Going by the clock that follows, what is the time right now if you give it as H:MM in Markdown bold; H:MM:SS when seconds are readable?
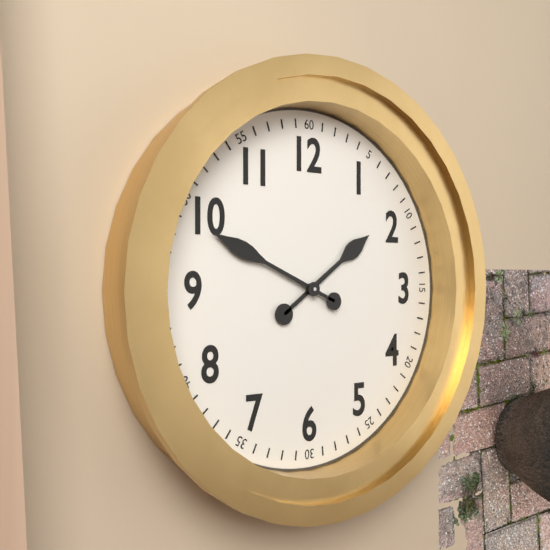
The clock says **1:49**
